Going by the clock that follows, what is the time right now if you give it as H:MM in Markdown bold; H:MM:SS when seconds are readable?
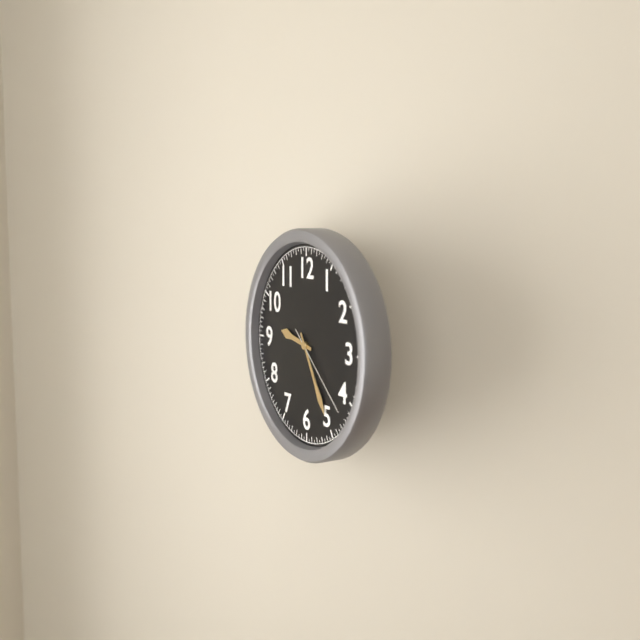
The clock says **9:25:22**
